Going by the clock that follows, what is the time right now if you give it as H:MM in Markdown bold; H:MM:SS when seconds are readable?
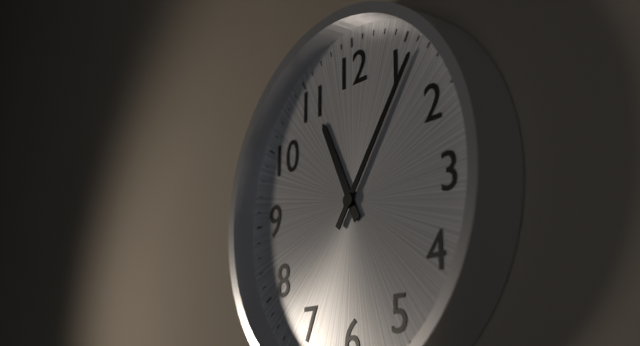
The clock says **11:06**
